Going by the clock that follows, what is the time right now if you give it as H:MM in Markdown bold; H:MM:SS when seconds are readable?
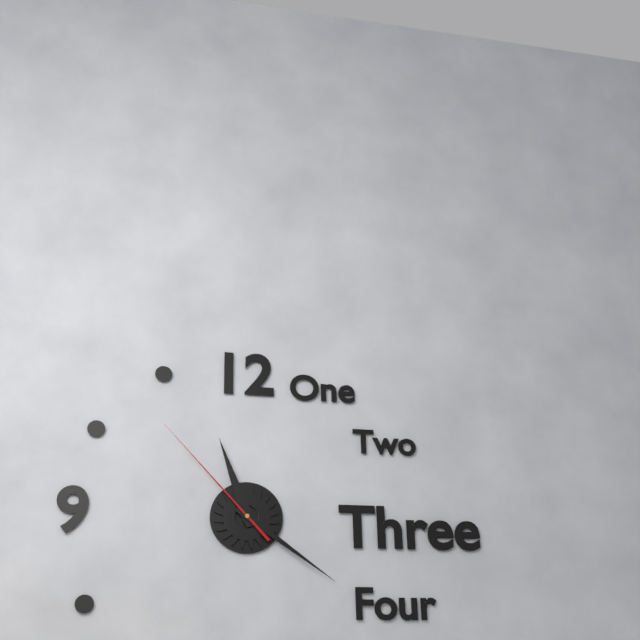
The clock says **11:21:53**
